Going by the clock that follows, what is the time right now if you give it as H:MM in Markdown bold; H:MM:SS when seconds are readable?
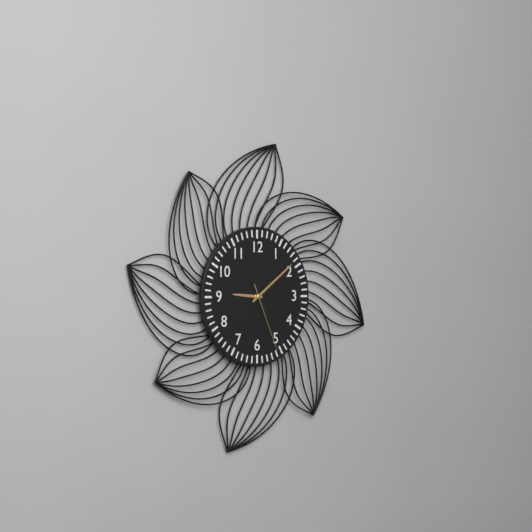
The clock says **9:09:26**
